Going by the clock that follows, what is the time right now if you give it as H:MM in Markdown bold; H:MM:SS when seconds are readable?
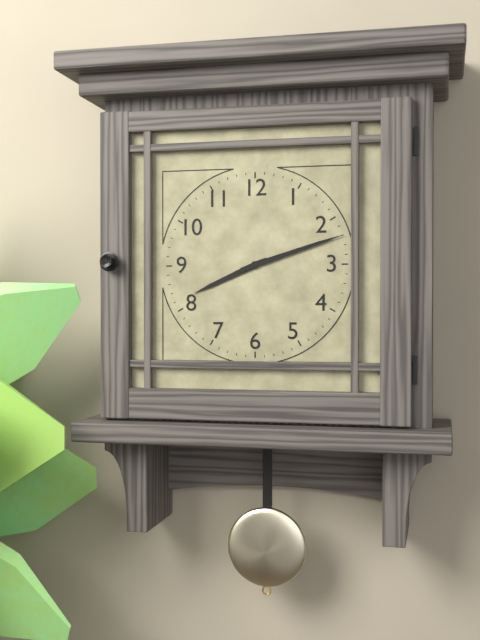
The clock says **8:12**
